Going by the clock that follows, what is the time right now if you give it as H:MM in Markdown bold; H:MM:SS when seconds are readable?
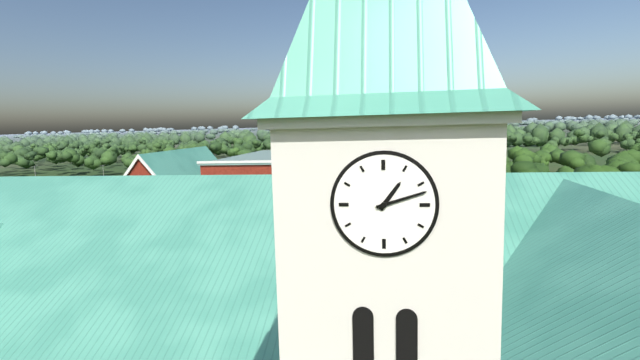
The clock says **1:12**
